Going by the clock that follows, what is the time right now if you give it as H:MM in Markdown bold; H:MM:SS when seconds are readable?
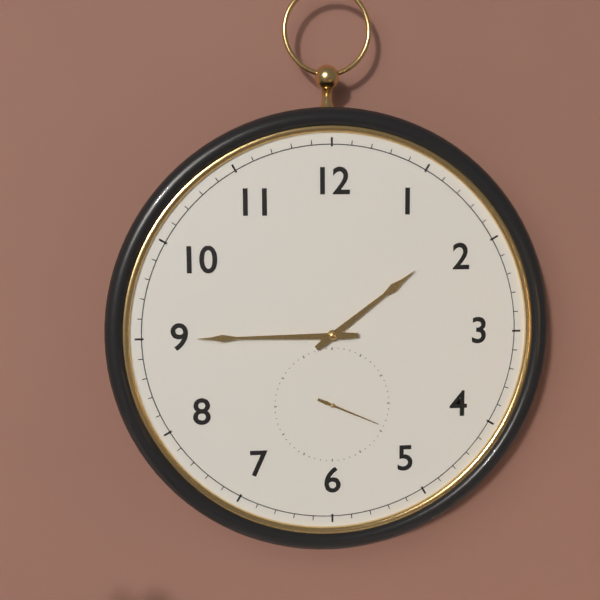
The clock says **1:45:19**
